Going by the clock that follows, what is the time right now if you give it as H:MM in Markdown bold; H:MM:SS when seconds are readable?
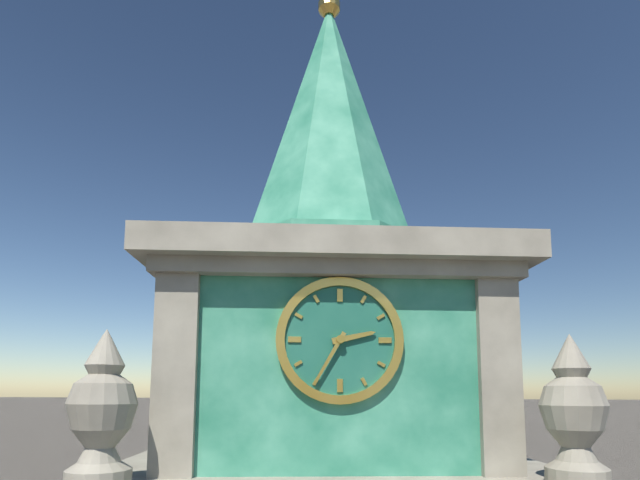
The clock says **2:35**
